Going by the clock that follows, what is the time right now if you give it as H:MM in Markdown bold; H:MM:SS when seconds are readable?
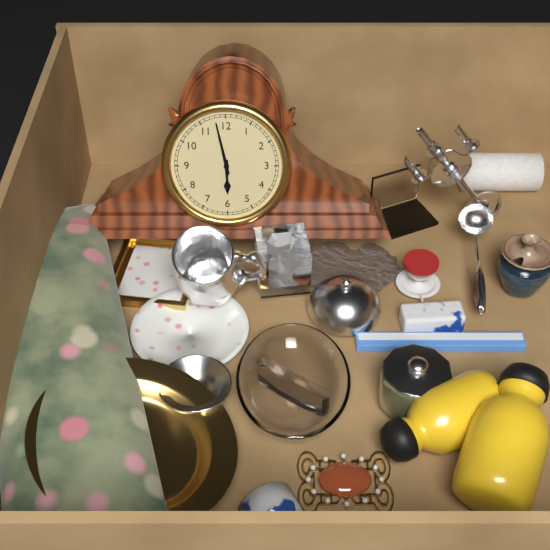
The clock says **5:58**
